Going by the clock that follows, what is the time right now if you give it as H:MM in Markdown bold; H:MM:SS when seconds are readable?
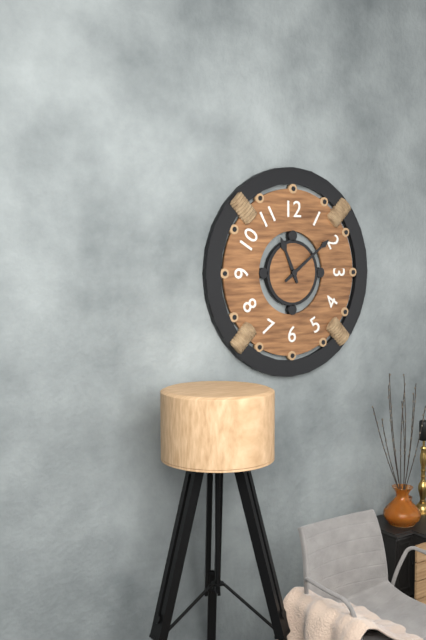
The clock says **11:09**
